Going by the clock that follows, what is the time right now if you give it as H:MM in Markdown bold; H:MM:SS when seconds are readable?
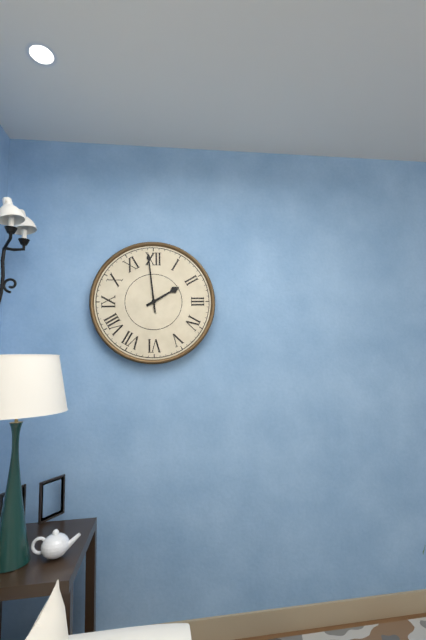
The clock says **1:59**
